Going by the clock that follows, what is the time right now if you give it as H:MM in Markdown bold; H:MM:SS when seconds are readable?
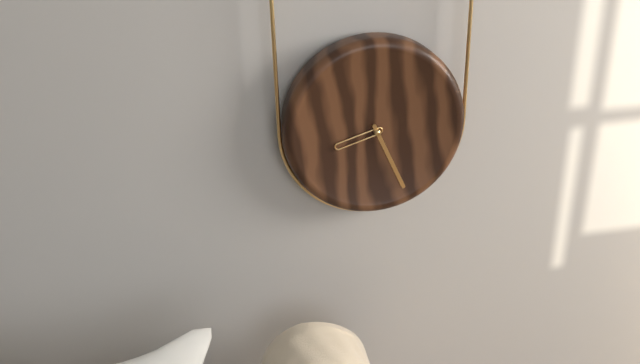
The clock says **8:26**
